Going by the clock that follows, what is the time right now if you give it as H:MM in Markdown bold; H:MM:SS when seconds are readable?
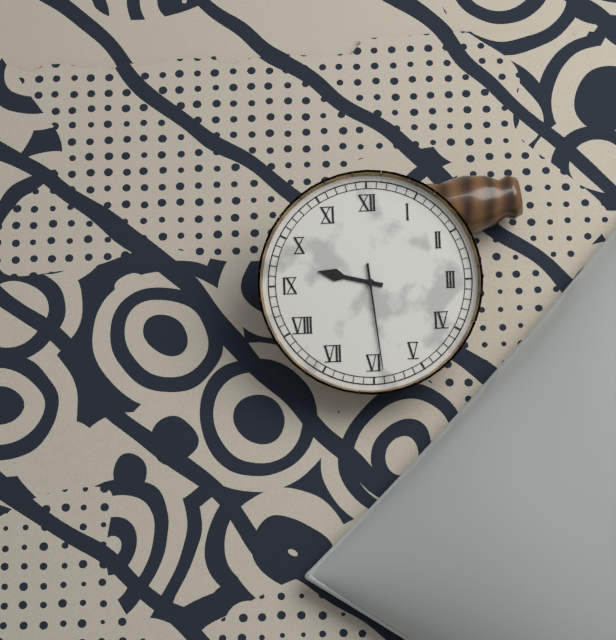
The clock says **9:29**
